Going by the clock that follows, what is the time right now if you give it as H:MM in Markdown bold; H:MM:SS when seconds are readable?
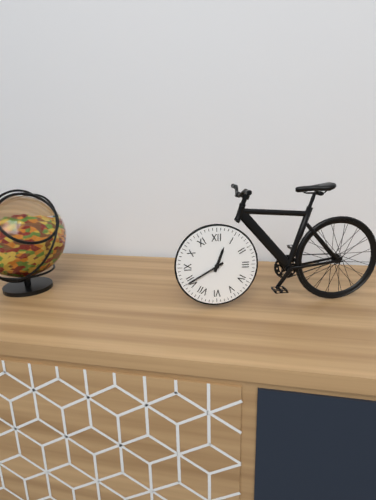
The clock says **12:40**
